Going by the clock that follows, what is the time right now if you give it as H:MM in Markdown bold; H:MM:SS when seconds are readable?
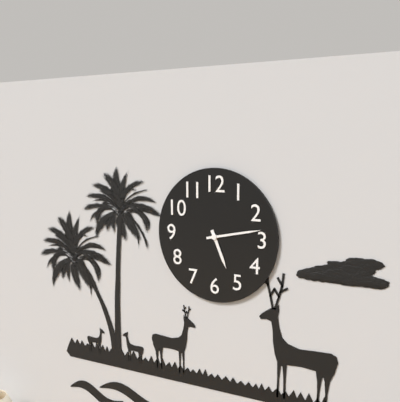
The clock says **5:13**
